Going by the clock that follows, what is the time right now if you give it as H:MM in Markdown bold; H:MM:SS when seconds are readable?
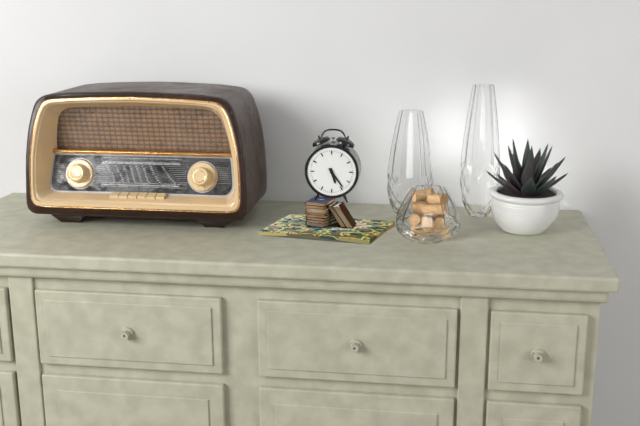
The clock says **5:24**
